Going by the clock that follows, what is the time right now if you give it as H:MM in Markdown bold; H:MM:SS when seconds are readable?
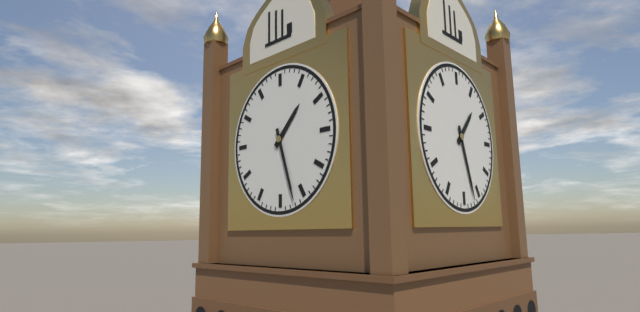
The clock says **1:27**
